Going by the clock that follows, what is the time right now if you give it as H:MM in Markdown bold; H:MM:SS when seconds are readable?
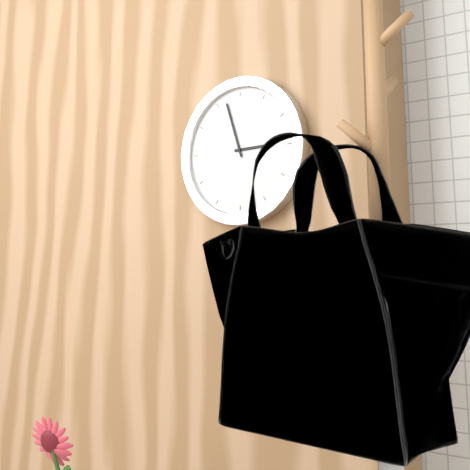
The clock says **2:57**
